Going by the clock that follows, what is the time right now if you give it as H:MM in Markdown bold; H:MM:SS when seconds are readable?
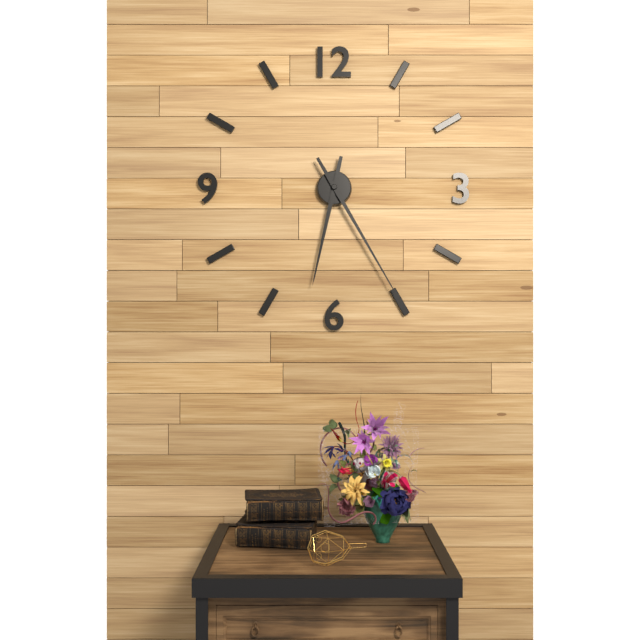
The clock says **6:25**
